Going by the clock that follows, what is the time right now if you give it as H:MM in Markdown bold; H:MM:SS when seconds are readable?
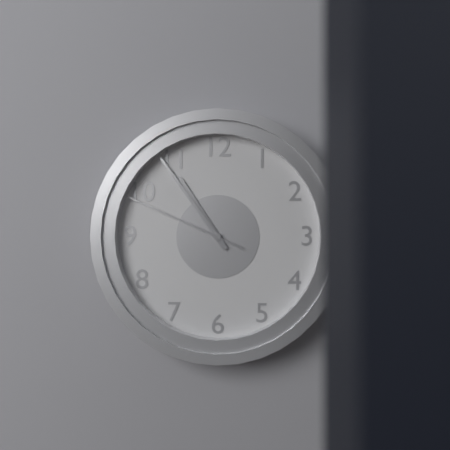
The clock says **10:54:49**
